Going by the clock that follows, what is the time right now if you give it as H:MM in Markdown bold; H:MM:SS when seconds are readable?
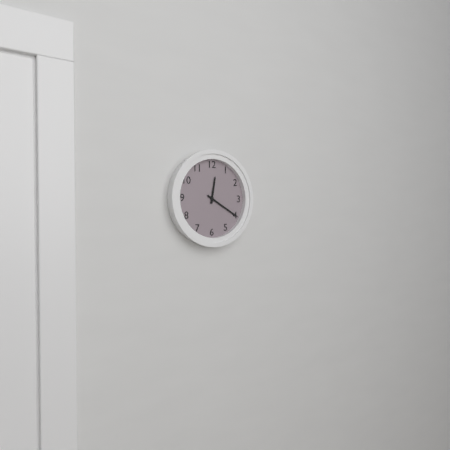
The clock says **12:20**
